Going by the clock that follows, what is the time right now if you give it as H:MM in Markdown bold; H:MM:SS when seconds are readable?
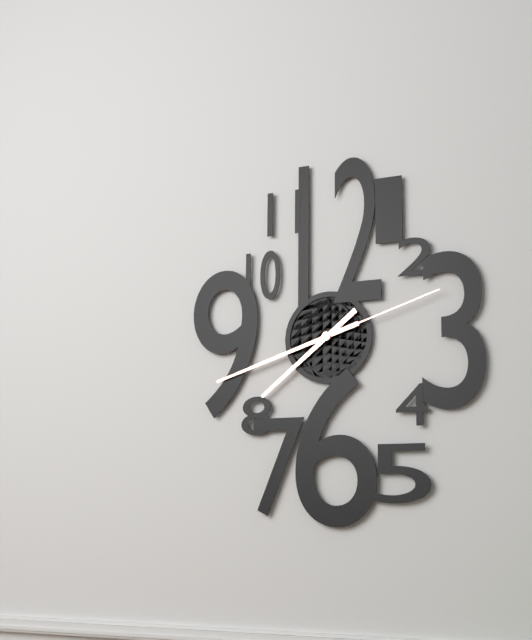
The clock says **7:42:12**
